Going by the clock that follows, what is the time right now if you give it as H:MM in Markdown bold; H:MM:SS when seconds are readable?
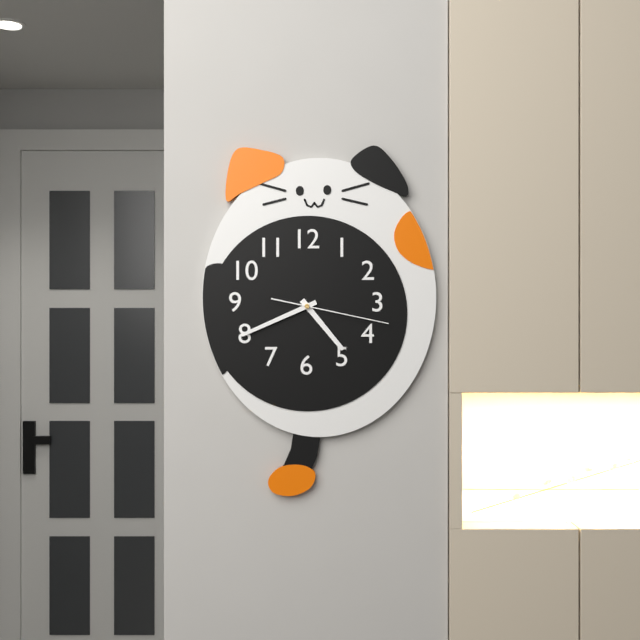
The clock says **4:41:17**
